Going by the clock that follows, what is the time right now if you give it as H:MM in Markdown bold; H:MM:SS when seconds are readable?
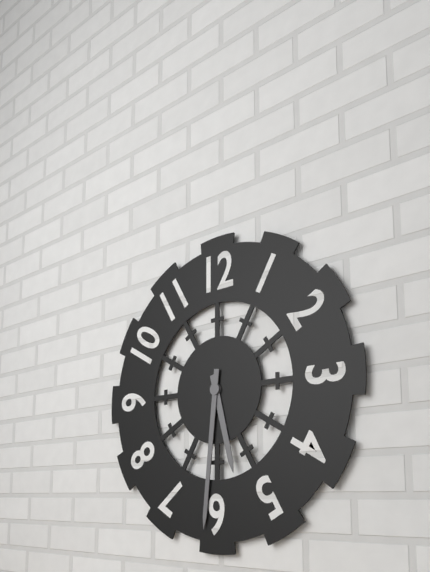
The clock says **5:31**
